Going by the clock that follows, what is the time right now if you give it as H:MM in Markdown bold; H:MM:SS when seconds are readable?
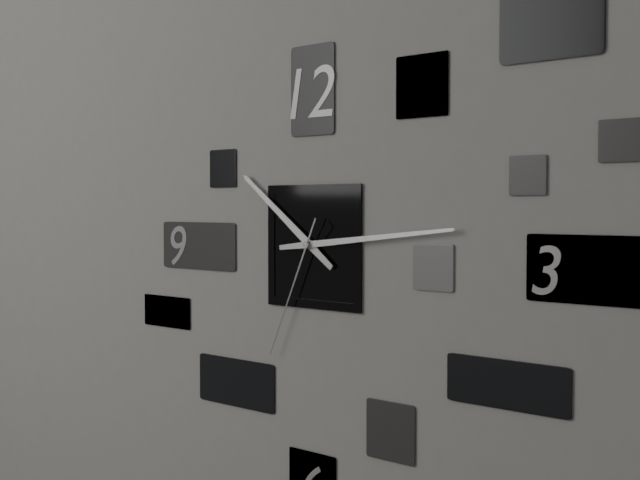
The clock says **10:14:34**
